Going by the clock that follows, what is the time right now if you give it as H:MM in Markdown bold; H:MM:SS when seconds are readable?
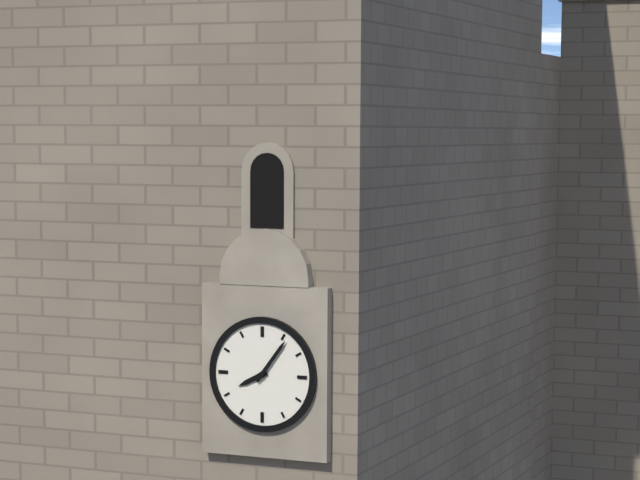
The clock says **8:06**
